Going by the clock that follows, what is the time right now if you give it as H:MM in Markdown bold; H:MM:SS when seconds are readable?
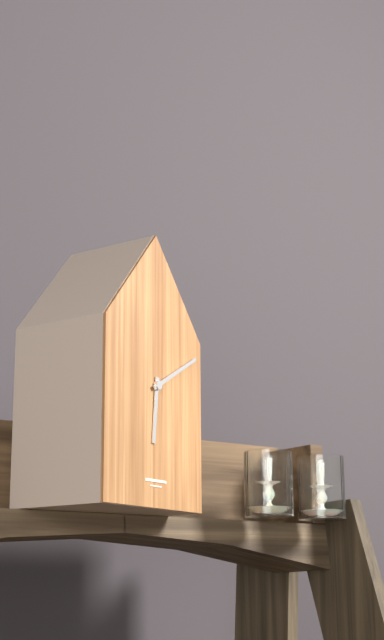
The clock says **6:10**
